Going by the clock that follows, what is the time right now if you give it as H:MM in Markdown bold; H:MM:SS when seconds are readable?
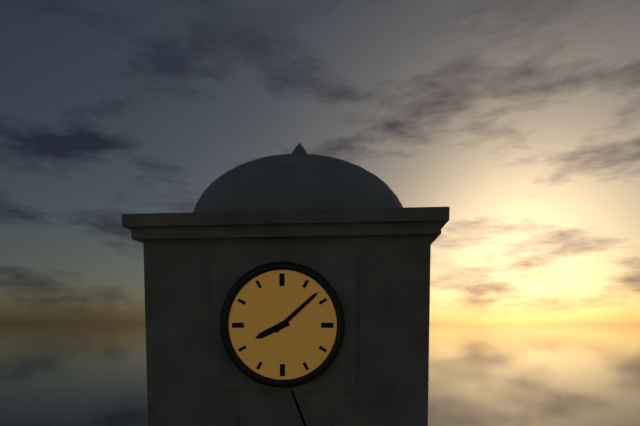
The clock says **8:08**
